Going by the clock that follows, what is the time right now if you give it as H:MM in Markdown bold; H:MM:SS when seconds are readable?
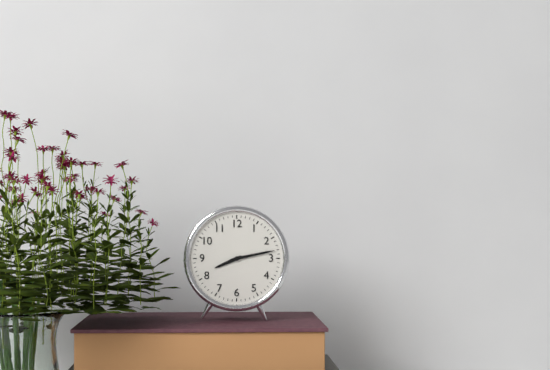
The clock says **8:13**
